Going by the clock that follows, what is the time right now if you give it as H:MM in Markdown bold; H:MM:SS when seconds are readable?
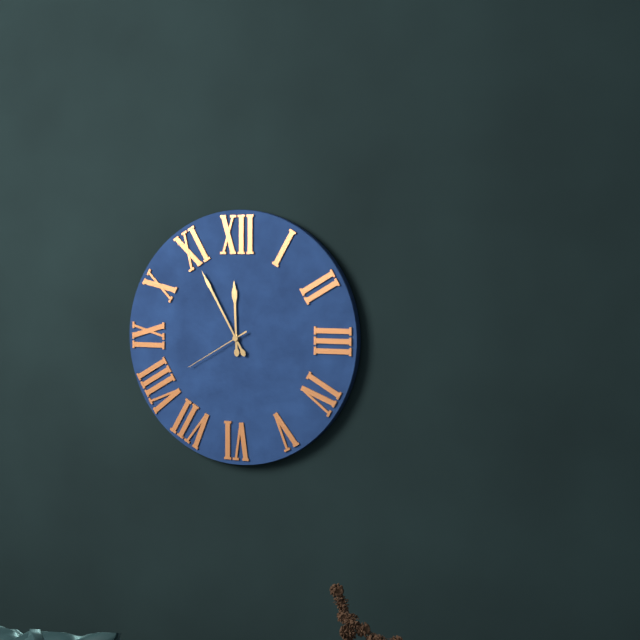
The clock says **11:55:40**
